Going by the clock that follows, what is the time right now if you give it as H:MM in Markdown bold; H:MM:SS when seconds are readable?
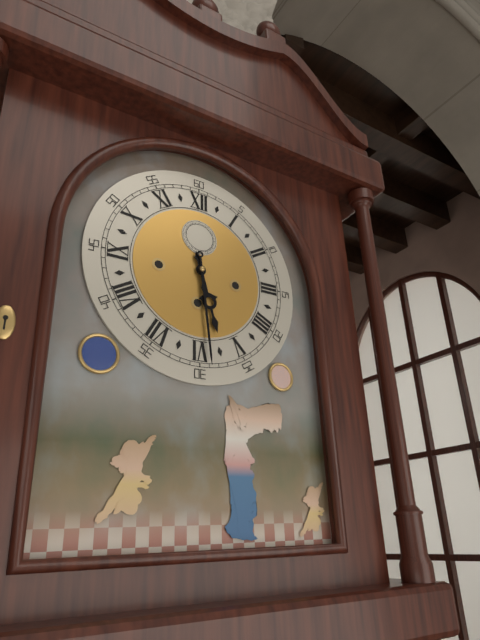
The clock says **5:29**
